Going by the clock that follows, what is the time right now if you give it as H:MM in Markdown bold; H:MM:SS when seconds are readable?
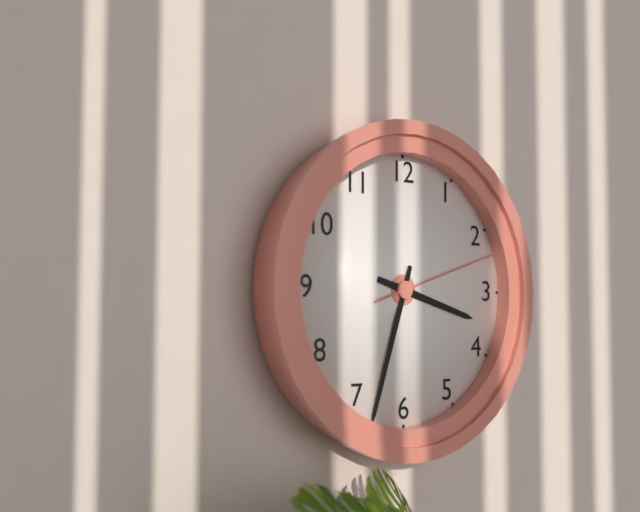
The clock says **3:33:12**
